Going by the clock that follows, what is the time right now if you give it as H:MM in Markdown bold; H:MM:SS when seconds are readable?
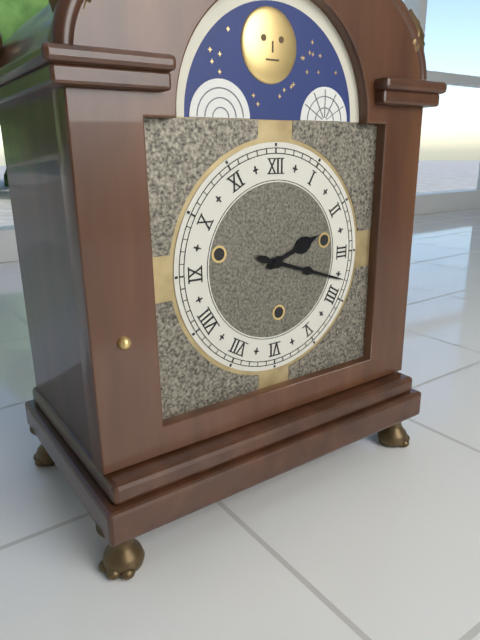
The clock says **2:18**
